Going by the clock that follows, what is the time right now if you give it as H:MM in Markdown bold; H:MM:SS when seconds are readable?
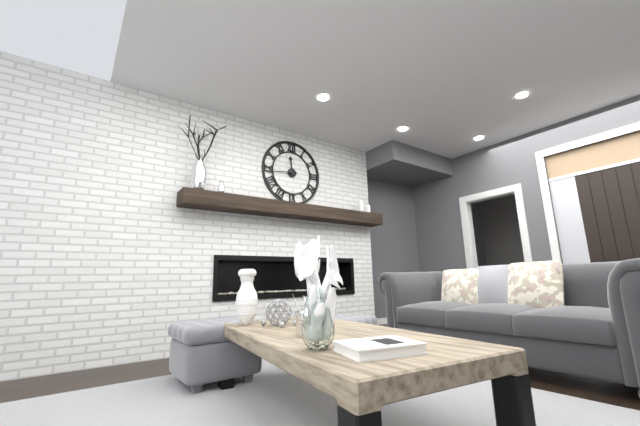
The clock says **11:44**
